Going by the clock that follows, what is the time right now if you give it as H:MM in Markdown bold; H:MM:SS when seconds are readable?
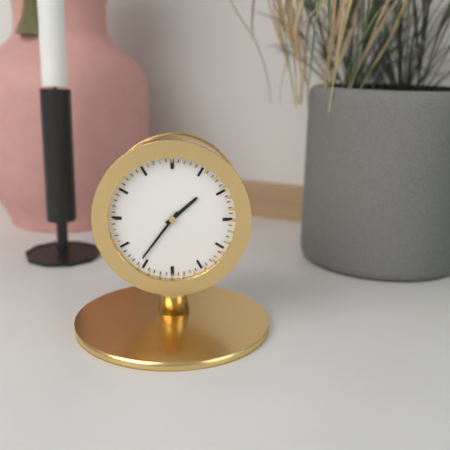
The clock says **1:36**
